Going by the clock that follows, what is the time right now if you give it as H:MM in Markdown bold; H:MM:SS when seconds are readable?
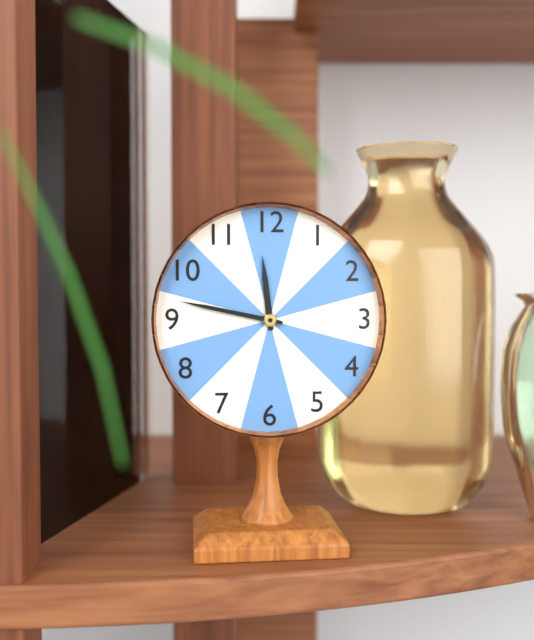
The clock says **11:47**
